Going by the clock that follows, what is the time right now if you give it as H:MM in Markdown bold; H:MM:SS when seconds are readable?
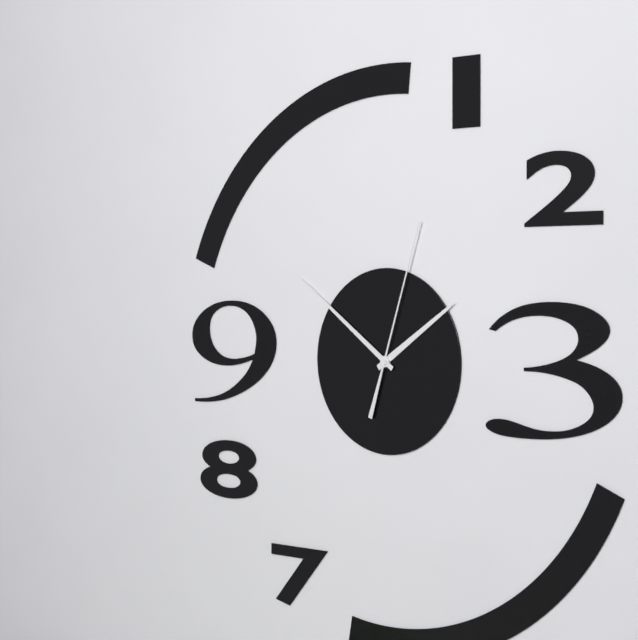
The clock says **1:51:03**
